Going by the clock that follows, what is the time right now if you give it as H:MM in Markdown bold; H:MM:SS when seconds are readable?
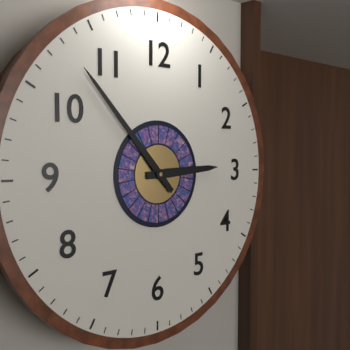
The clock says **2:53**
